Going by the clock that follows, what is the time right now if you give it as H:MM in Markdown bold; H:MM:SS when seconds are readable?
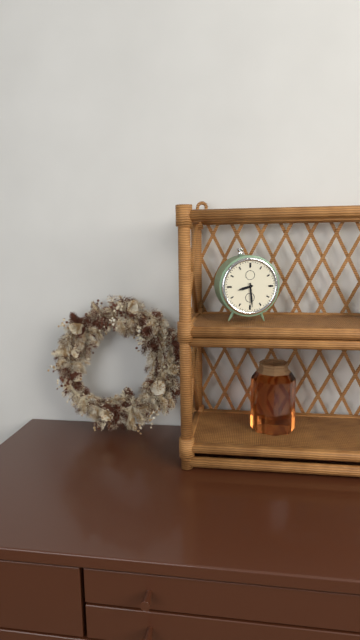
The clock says **8:29**
